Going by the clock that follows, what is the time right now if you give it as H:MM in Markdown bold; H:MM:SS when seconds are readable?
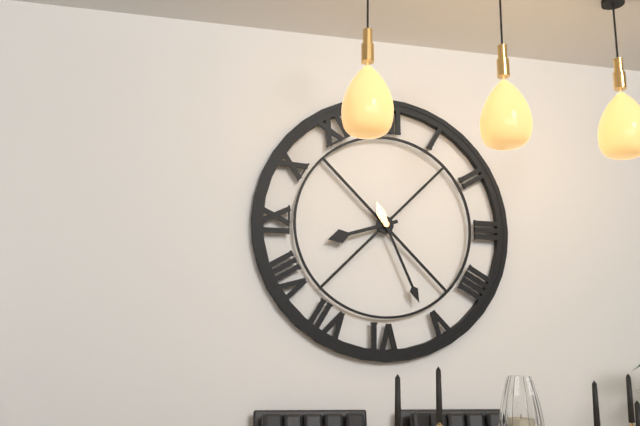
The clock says **8:26**
